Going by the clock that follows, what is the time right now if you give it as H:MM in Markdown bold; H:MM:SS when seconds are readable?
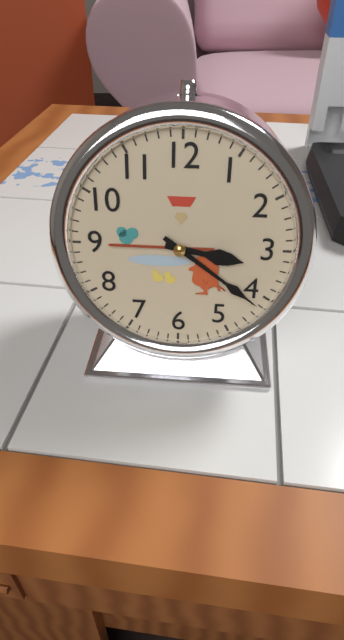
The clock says **3:21**
